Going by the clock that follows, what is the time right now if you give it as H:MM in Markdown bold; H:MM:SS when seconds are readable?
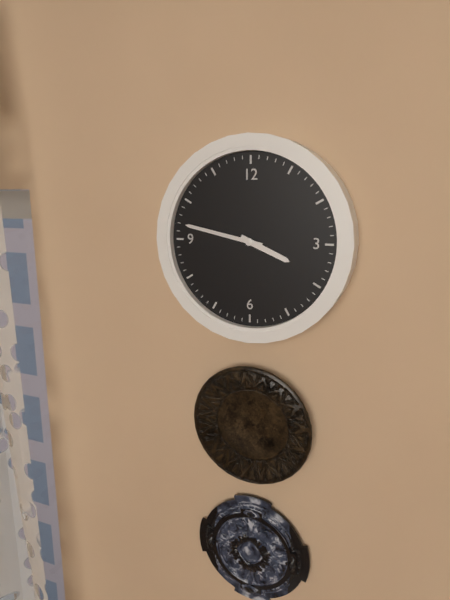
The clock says **3:47**
